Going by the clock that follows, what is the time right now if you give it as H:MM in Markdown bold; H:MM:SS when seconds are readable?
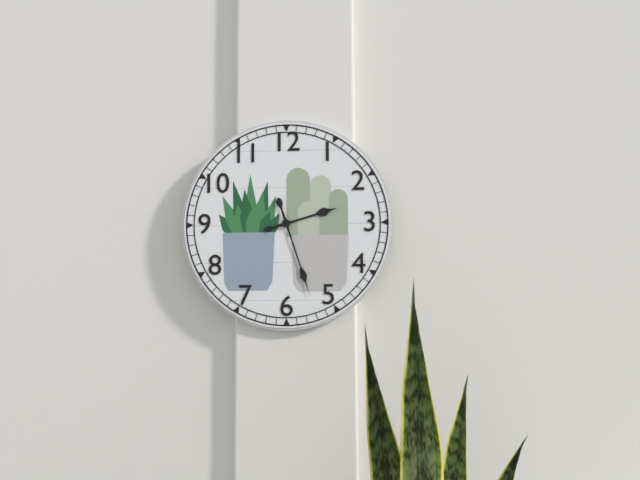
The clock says **2:27**
